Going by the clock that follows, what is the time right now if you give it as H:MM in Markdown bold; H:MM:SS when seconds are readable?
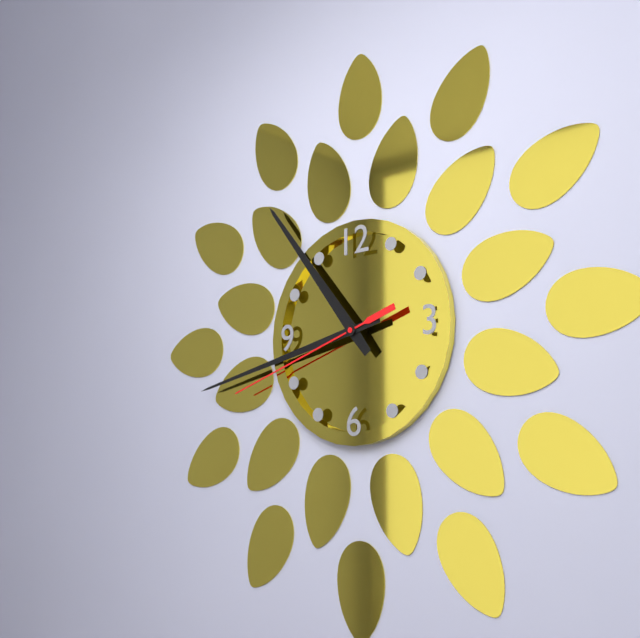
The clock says **10:43:42**
